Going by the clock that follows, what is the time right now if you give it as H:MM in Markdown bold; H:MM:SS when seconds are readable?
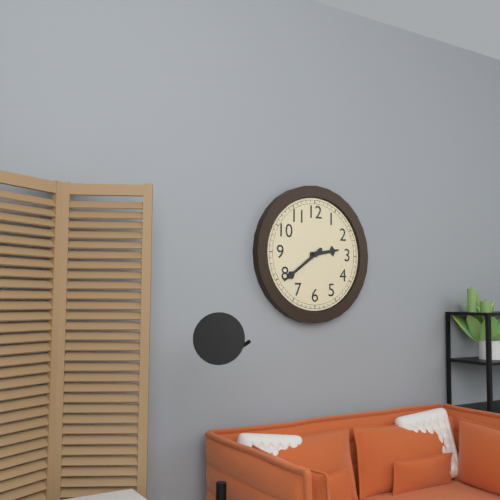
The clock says **2:39**
